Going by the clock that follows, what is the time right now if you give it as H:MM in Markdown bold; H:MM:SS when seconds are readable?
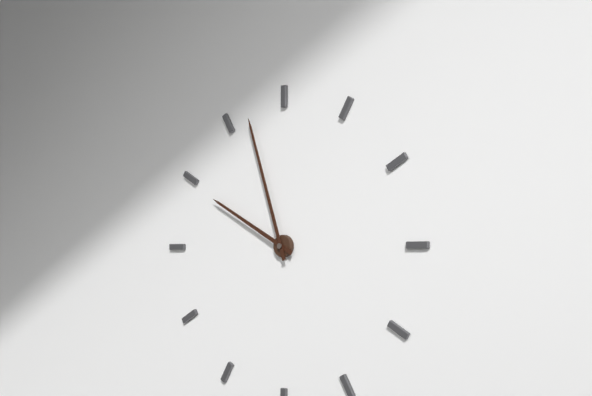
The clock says **9:57**
